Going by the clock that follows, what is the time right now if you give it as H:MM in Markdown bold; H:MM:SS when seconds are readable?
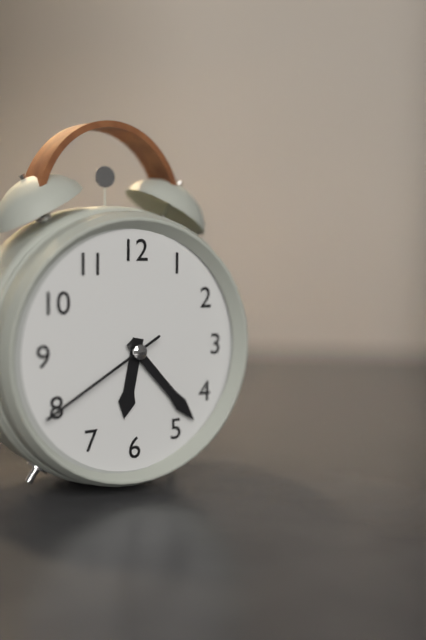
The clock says **6:23:40**
